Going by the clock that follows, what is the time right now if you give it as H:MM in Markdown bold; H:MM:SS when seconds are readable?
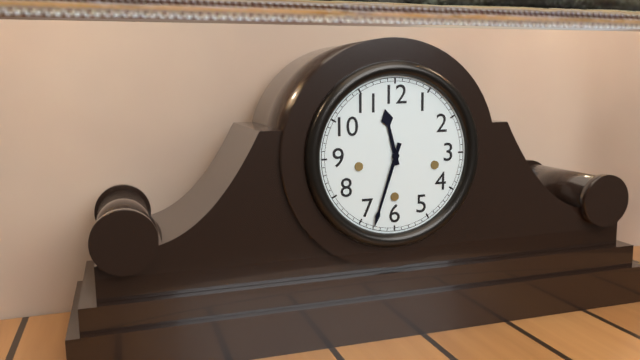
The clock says **11:33**
